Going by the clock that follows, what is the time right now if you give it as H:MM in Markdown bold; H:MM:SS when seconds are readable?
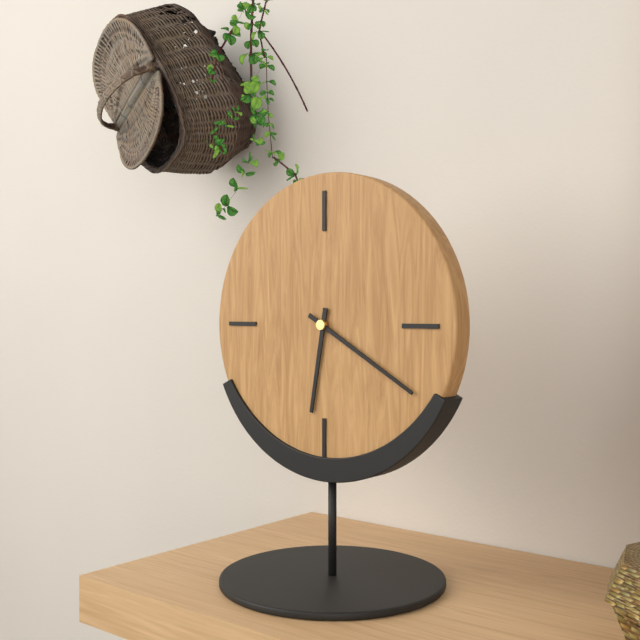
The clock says **6:20**
